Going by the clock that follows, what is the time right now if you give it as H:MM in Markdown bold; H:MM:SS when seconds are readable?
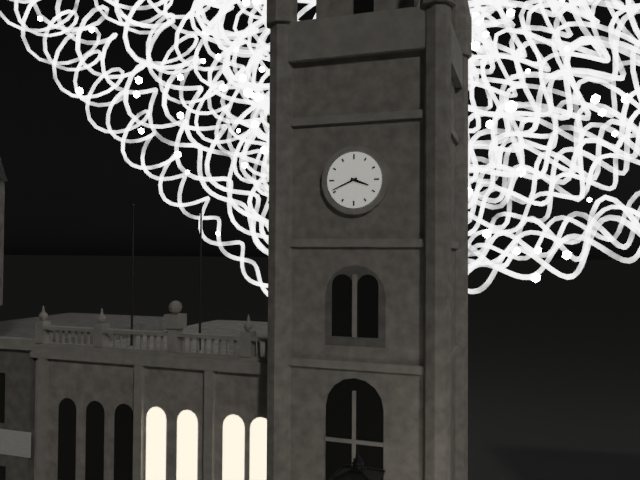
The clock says **3:41**
